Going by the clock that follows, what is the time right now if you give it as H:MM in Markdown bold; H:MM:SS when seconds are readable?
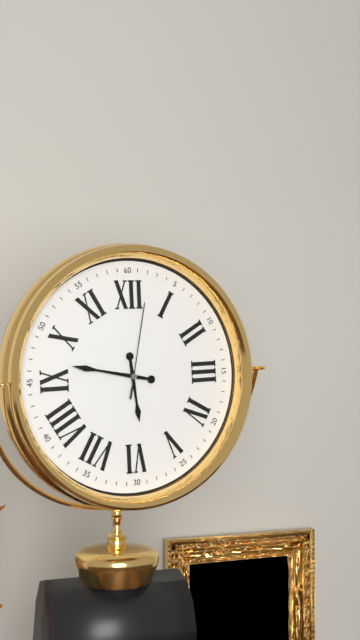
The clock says **5:47:02**
